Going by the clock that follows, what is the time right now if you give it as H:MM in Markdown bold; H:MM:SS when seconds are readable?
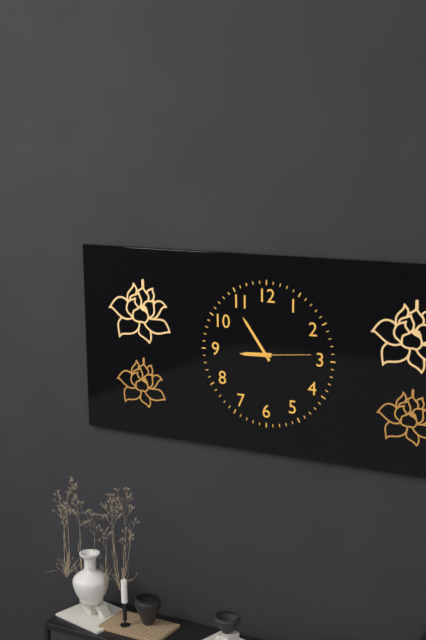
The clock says **8:54:14**
